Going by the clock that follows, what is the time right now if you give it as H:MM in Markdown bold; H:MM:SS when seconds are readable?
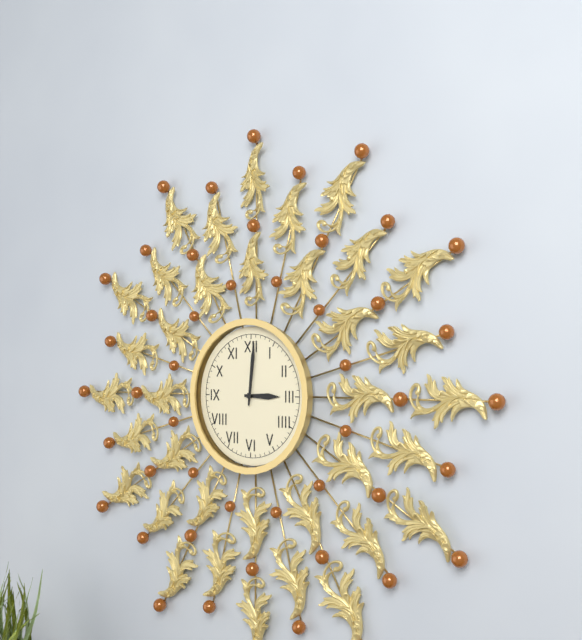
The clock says **3:01**
